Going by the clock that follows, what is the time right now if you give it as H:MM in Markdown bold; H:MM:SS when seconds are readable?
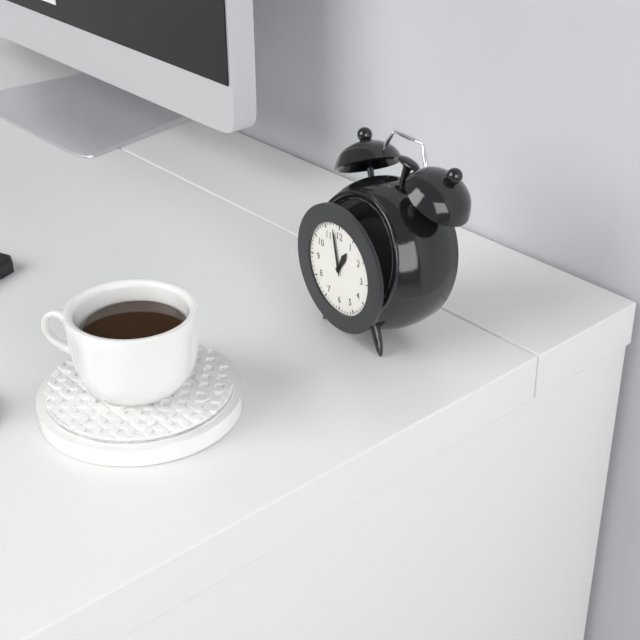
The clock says **12:58**
